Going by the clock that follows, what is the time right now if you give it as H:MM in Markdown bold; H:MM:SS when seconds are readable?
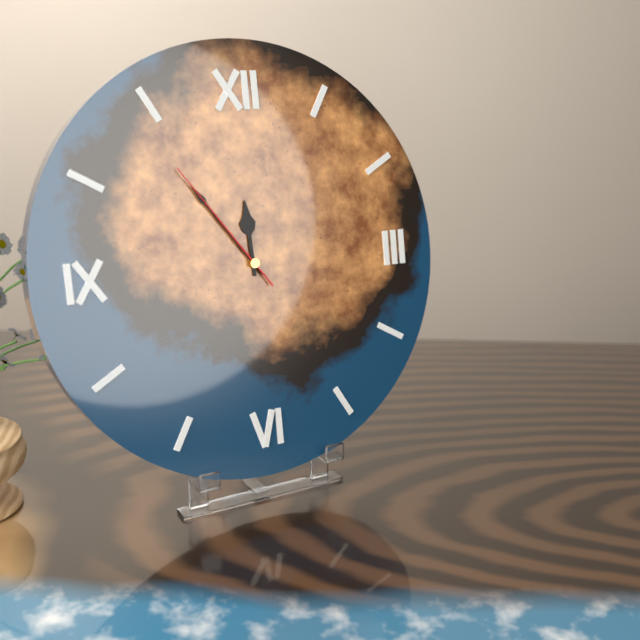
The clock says **11:54:54**
